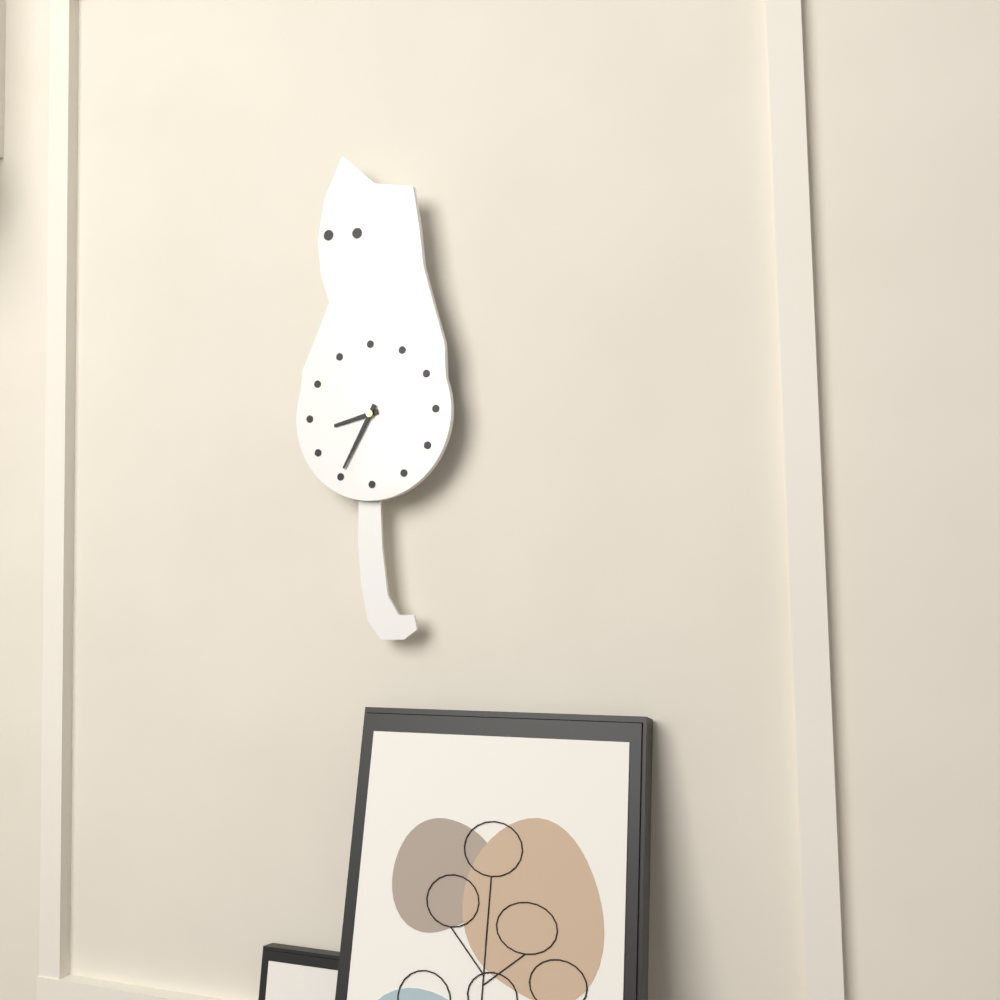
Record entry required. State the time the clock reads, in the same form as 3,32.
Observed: 8,35
